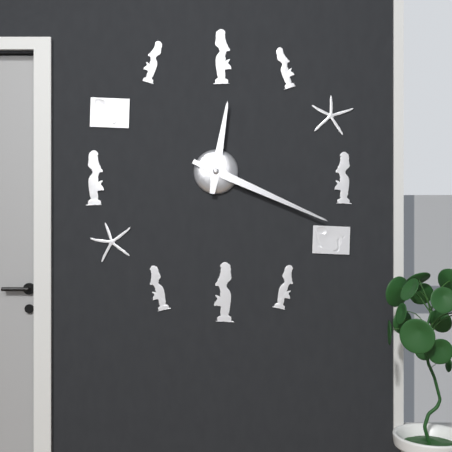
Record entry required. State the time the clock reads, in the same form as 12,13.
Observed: 12,19
